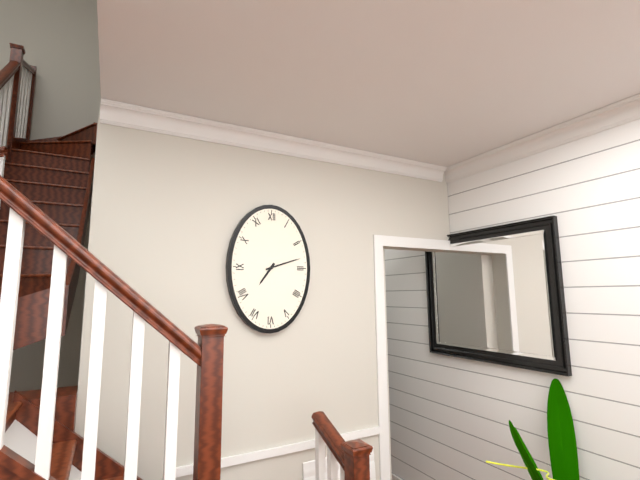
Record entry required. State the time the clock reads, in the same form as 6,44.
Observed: 7,12
